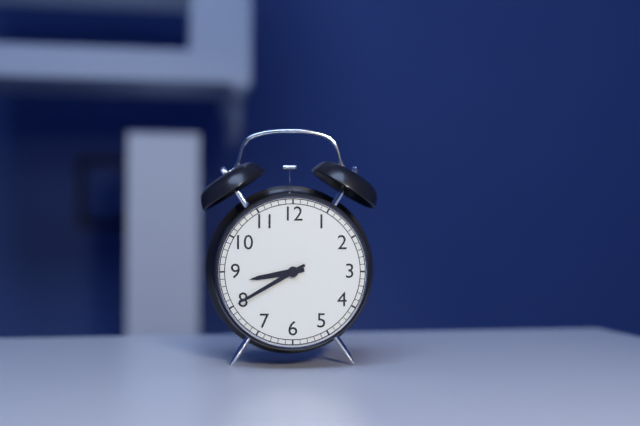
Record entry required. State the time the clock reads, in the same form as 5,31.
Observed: 8,40
